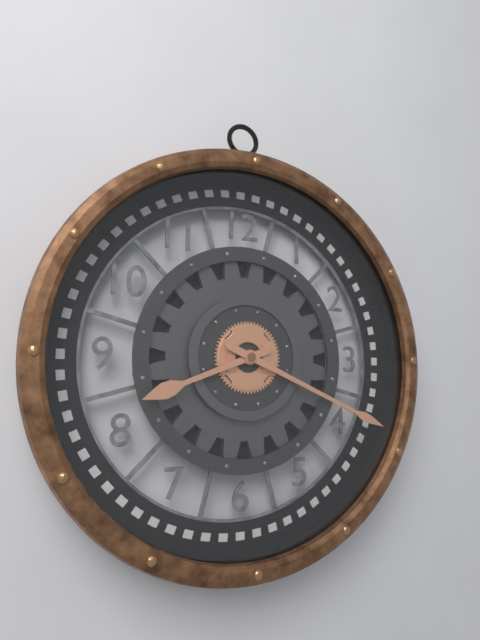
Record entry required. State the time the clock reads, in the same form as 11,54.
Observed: 8,19
